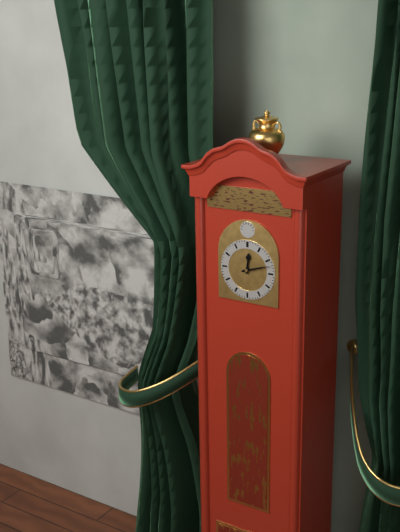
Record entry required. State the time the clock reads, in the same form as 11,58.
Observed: 12,12
